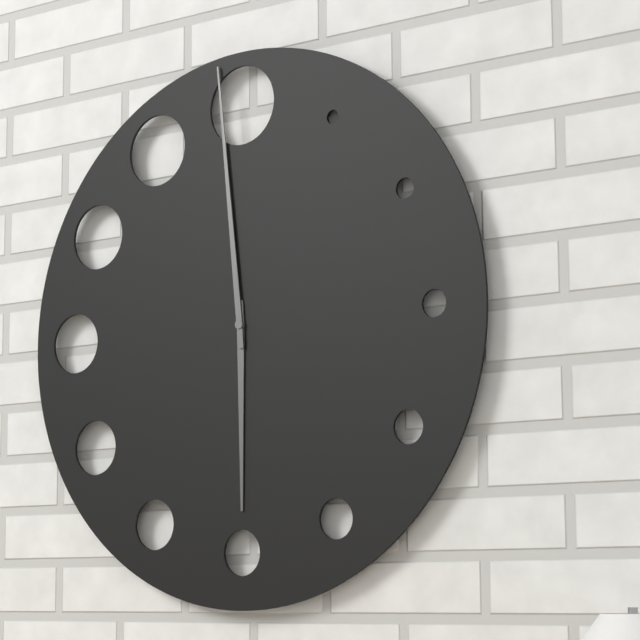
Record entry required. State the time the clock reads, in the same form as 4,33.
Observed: 5,59
